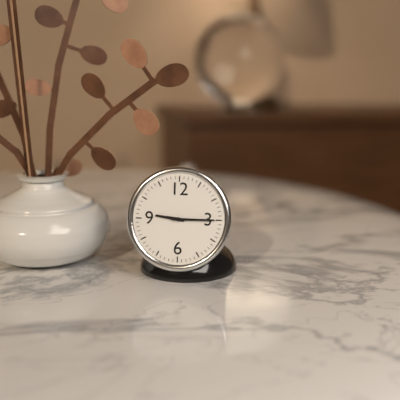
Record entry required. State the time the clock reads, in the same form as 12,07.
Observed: 9,15
